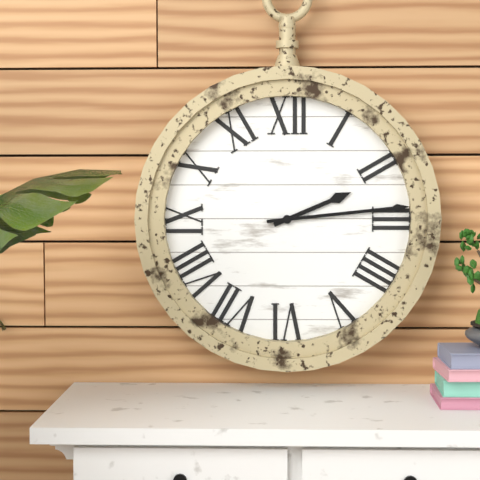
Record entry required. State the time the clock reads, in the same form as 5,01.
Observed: 2,14
